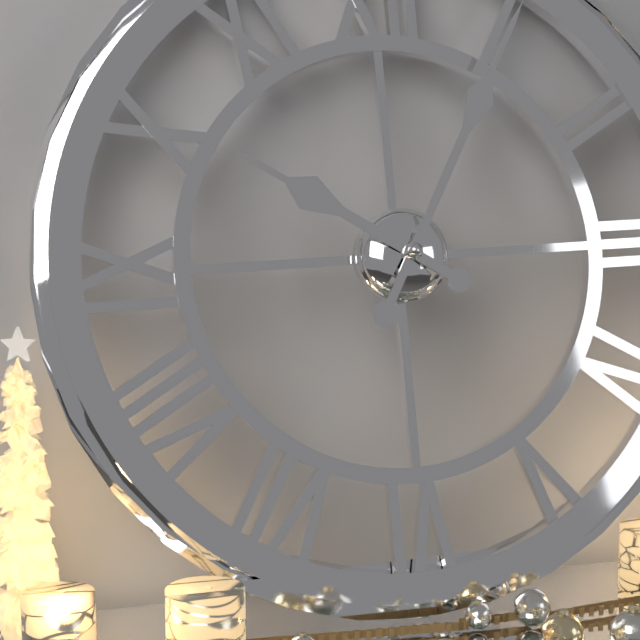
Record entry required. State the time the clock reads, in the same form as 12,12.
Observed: 10,05
